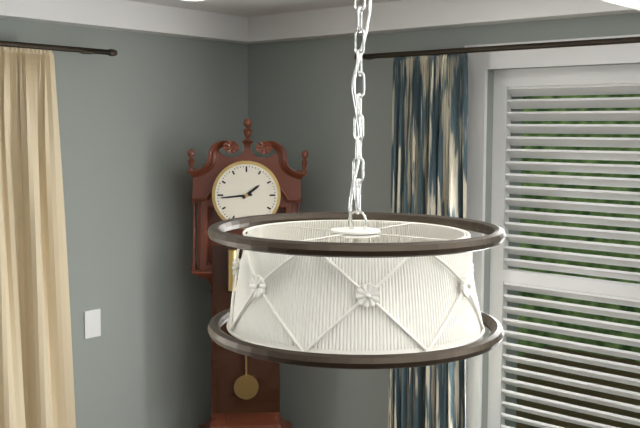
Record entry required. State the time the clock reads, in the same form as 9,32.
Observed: 1,44
